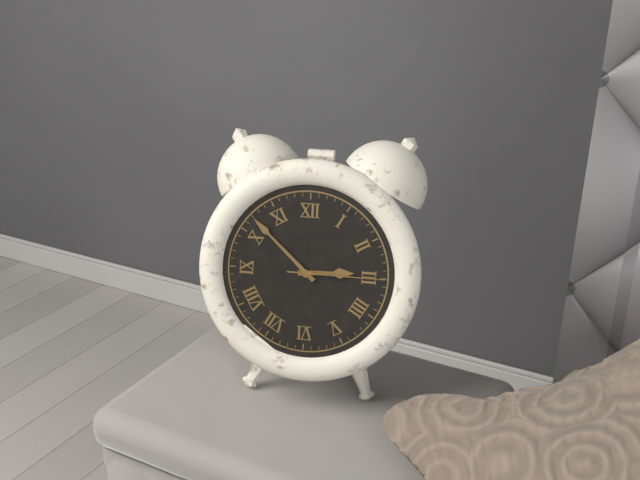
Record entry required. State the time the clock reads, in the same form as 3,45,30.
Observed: 2,52,15
